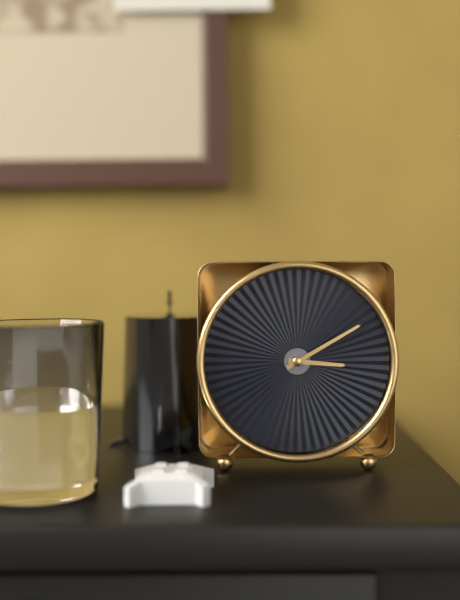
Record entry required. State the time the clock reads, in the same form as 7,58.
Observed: 3,10
